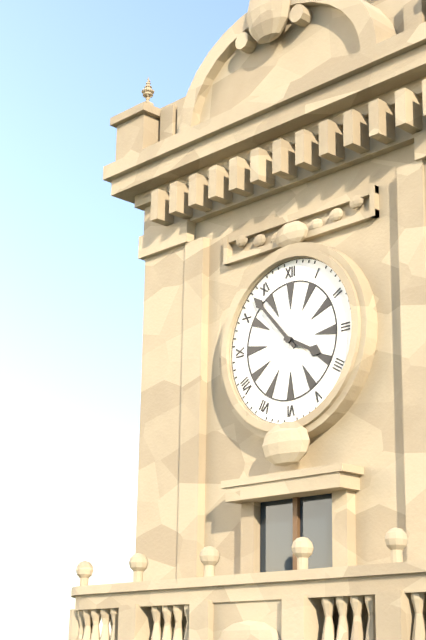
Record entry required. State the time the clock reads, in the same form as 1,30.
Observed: 3,53
